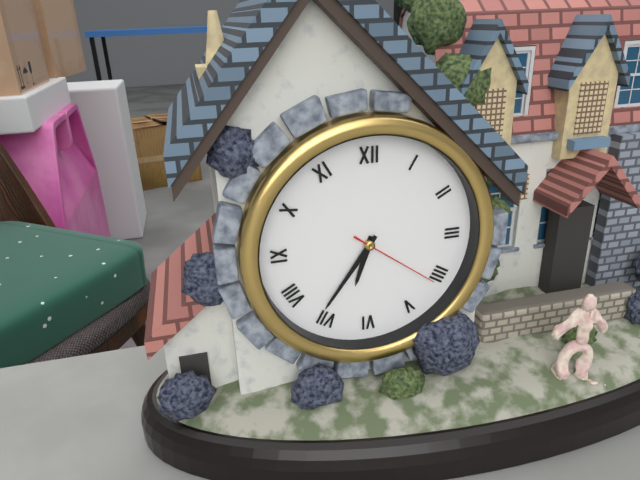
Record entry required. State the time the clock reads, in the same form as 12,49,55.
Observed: 6,36,21
